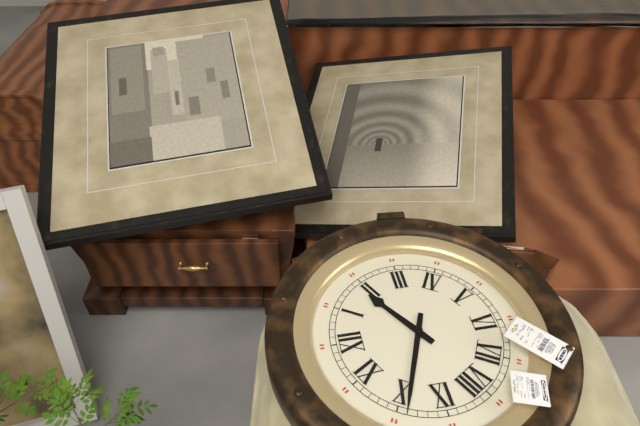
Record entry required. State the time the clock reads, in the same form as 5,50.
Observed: 1,49
